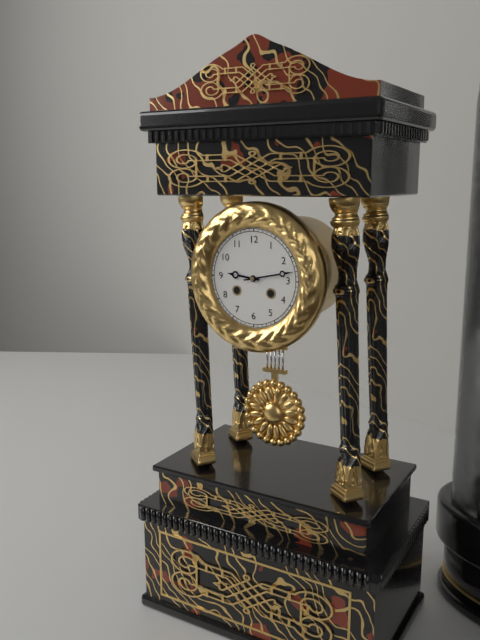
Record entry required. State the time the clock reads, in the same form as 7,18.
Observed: 9,13
